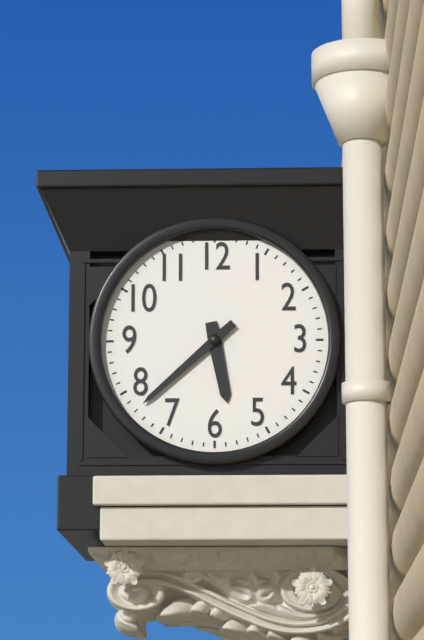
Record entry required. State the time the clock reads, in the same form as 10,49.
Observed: 5,38
